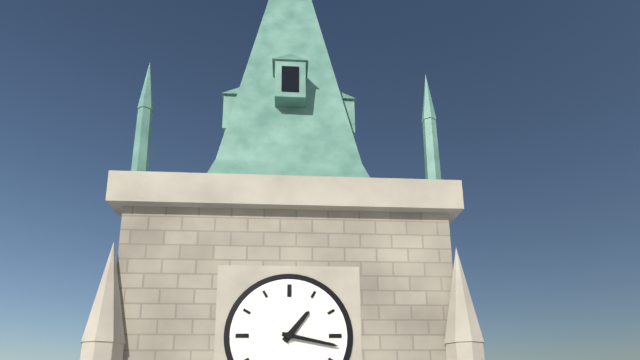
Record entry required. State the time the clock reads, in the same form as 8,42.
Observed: 1,17
